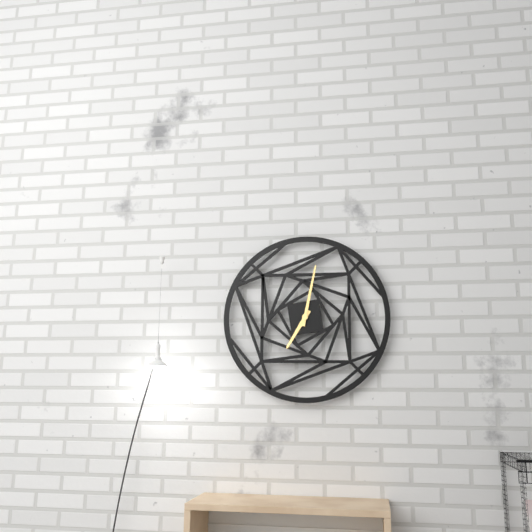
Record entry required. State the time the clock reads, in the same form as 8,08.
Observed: 7,02
